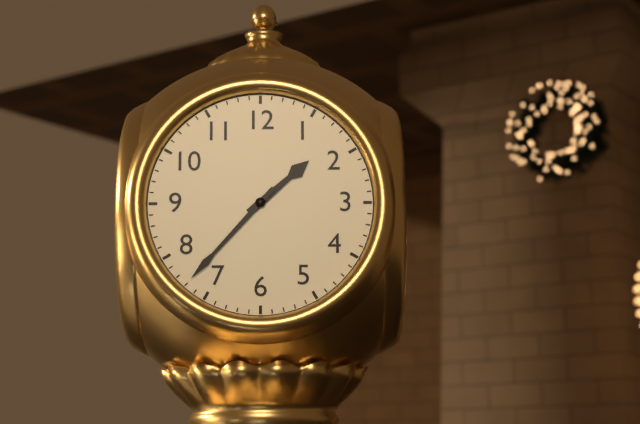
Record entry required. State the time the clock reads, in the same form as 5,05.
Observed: 1,37
